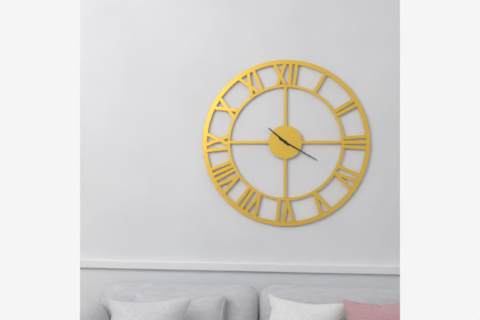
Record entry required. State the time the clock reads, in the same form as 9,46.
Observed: 10,20
